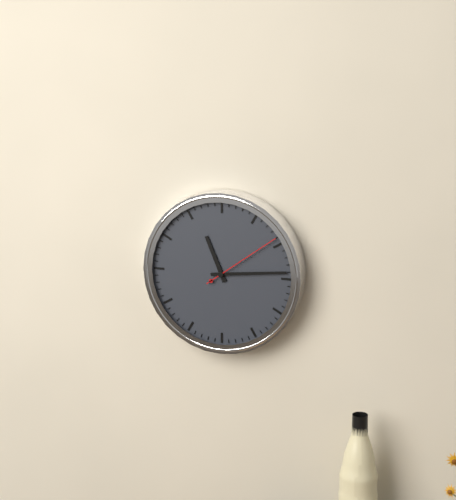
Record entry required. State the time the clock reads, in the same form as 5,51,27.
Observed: 11,14,09
